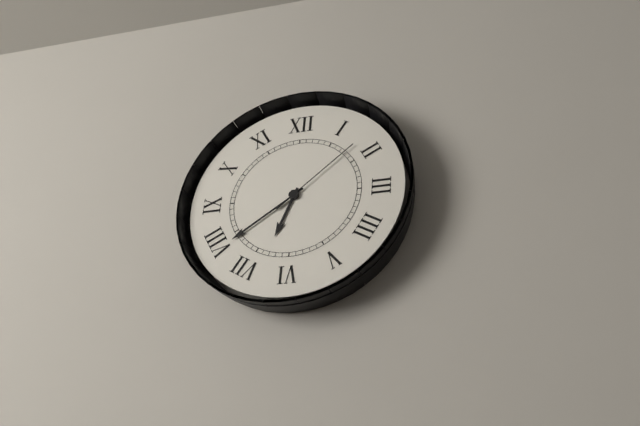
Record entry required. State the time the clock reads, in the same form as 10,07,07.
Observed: 6,39,08
